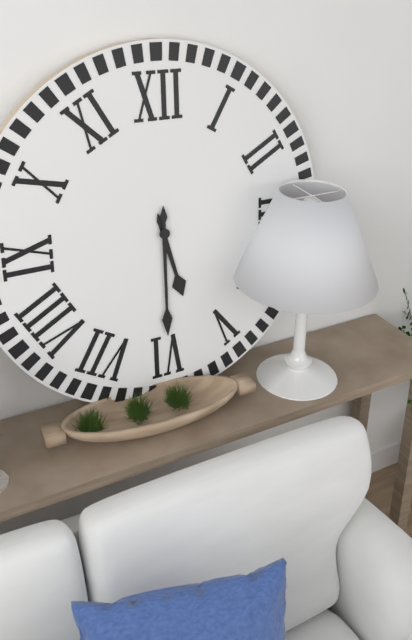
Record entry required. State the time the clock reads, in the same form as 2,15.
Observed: 5,30
